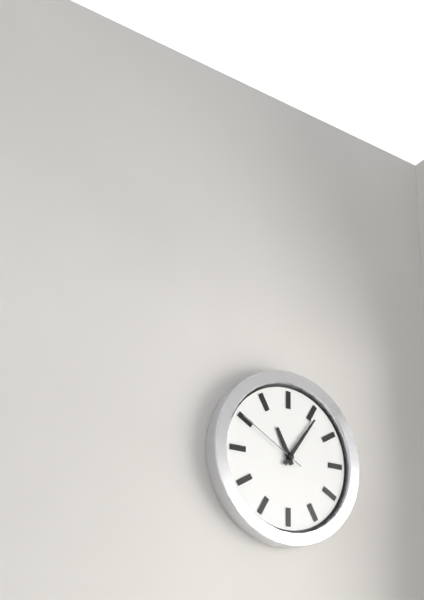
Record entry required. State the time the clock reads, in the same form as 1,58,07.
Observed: 11,06,50
